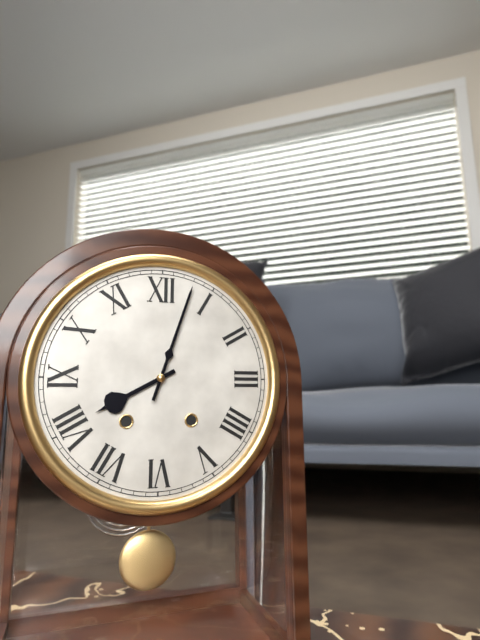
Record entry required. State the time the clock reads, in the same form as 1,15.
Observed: 8,03
